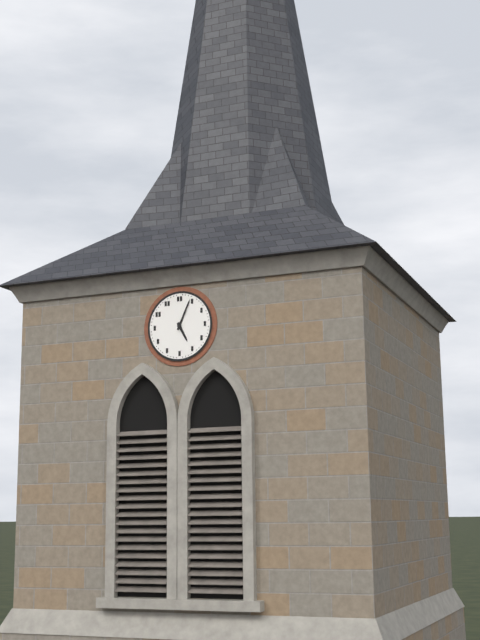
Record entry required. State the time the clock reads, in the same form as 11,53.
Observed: 5,04
